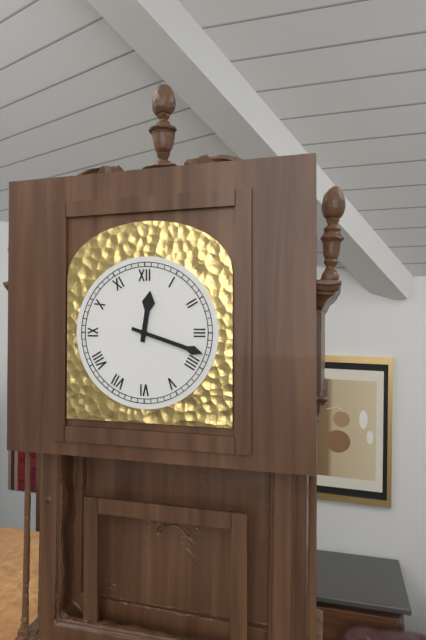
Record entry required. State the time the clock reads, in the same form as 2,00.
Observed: 12,18
